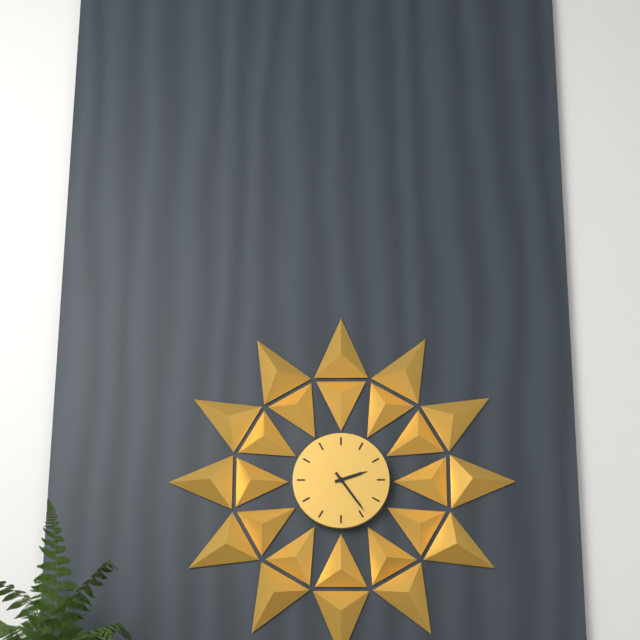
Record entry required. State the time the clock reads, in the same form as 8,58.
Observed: 2,24
